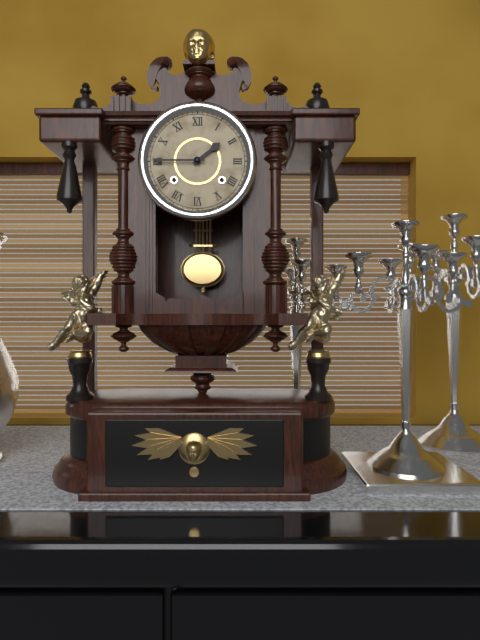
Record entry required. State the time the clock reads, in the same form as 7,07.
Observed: 1,45
